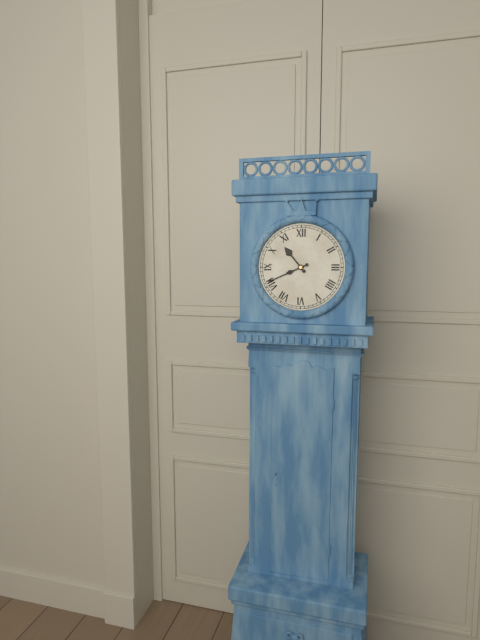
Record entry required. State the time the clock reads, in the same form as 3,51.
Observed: 10,41
